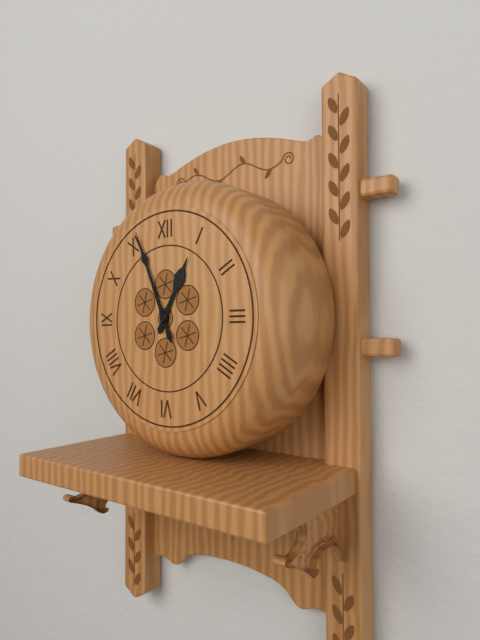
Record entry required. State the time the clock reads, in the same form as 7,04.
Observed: 12,56
